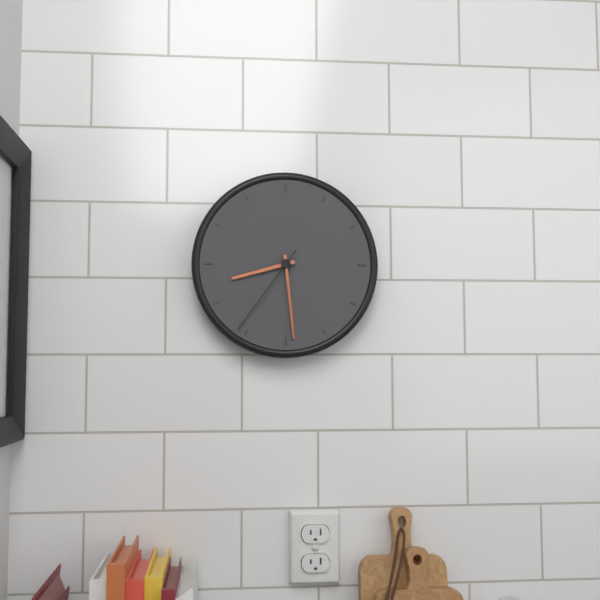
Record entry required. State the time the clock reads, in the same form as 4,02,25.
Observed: 8,29,36
